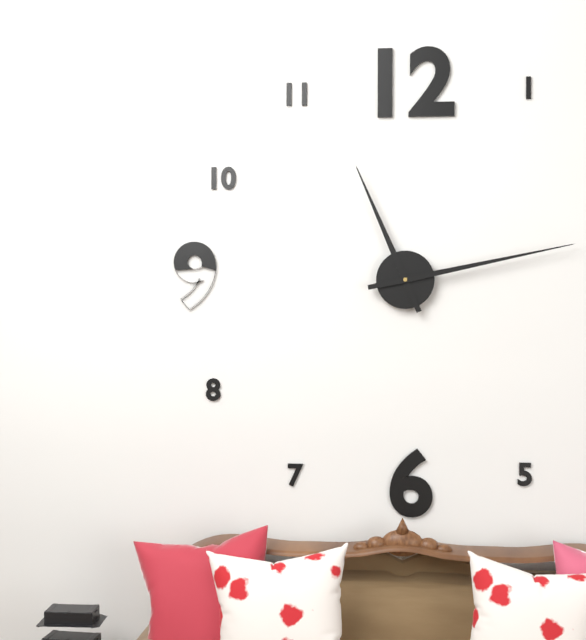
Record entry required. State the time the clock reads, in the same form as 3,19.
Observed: 11,13
